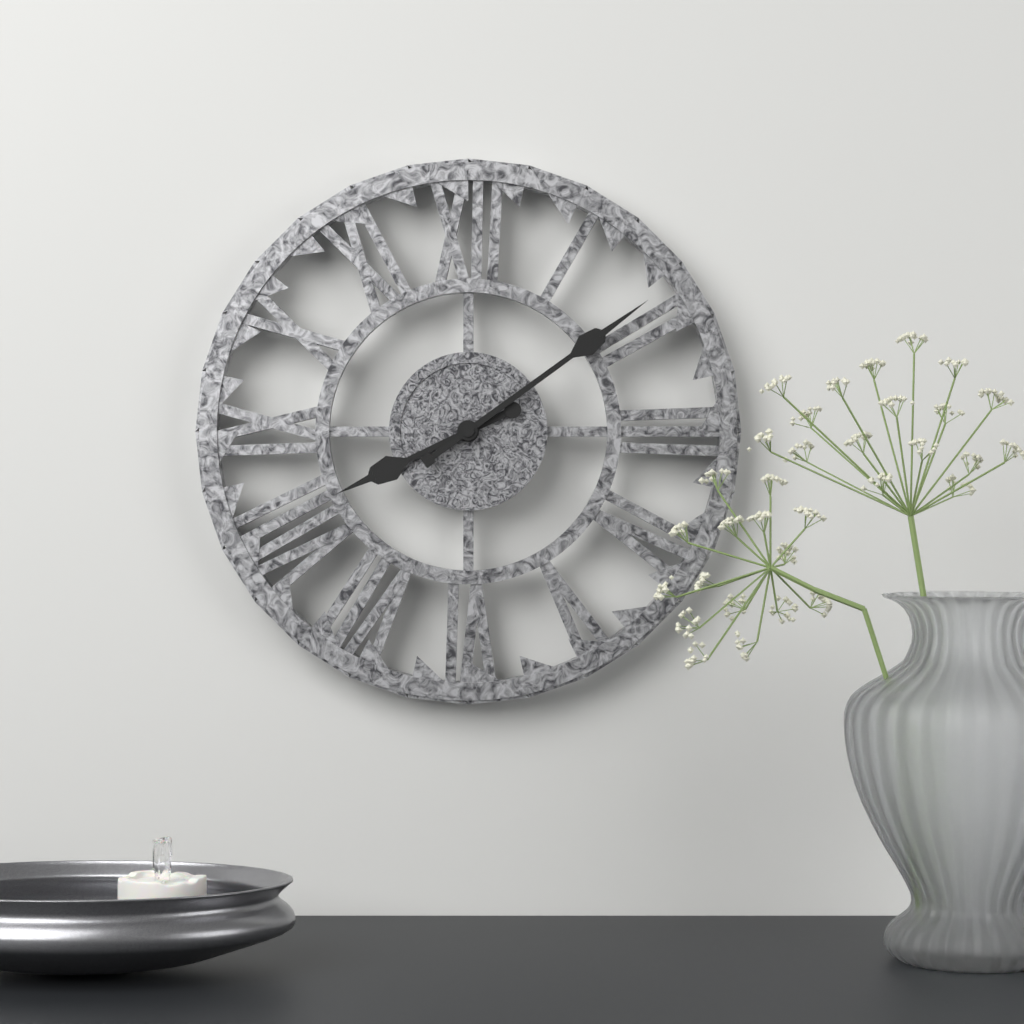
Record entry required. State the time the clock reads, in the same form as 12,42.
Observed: 8,09
